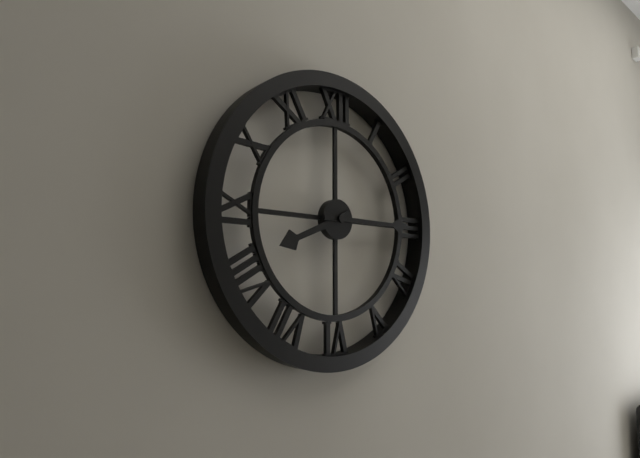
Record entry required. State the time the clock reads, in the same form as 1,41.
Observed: 8,15
